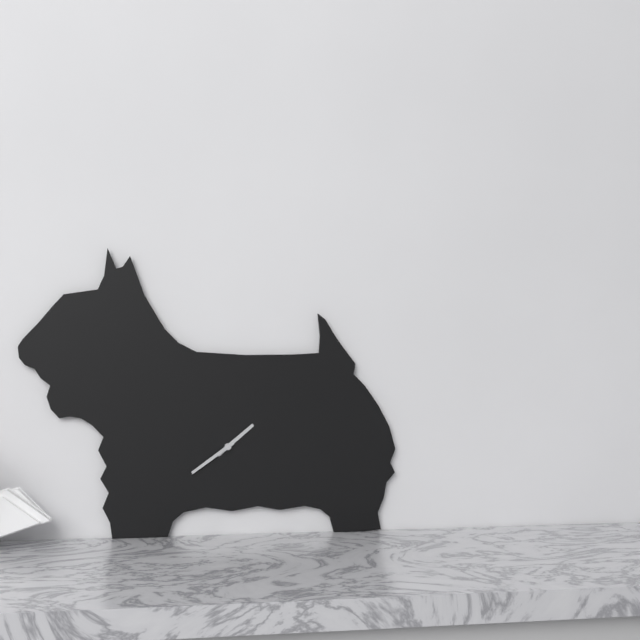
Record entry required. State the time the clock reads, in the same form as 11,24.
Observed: 1,39
